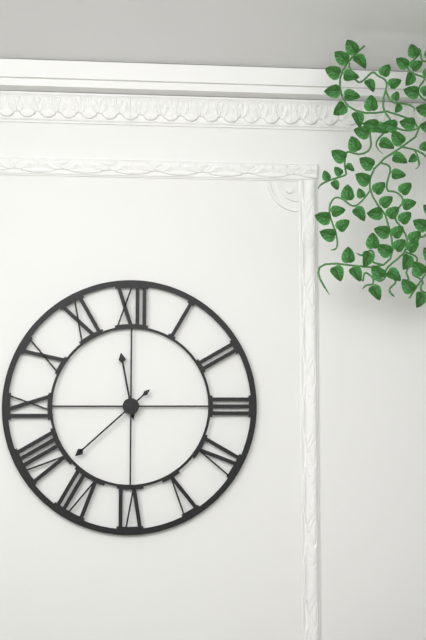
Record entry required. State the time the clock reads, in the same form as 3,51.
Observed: 11,38
